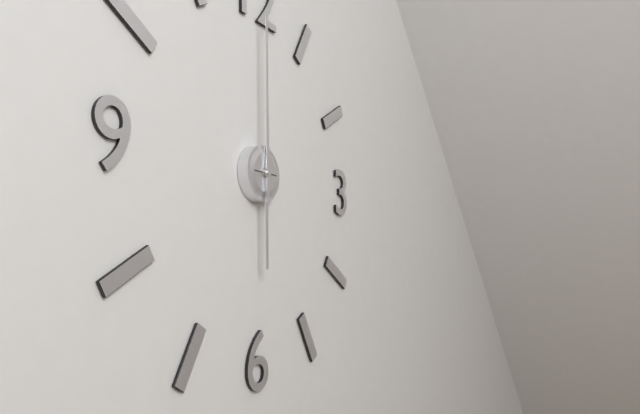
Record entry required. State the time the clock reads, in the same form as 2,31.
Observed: 6,00
